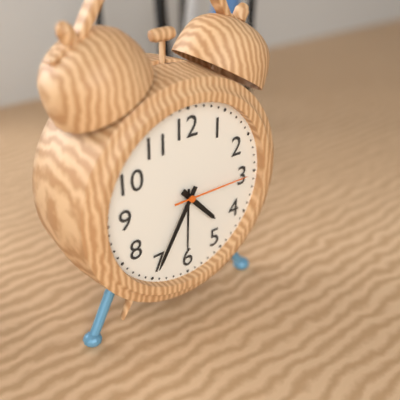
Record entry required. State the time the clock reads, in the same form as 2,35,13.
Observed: 4,35,15
